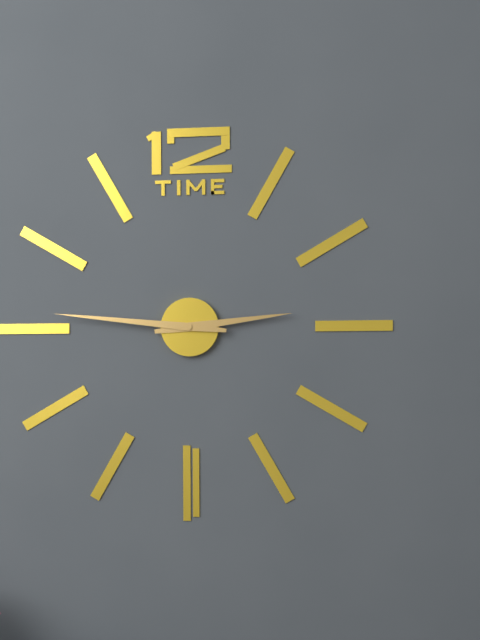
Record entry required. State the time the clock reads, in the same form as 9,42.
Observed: 2,46
